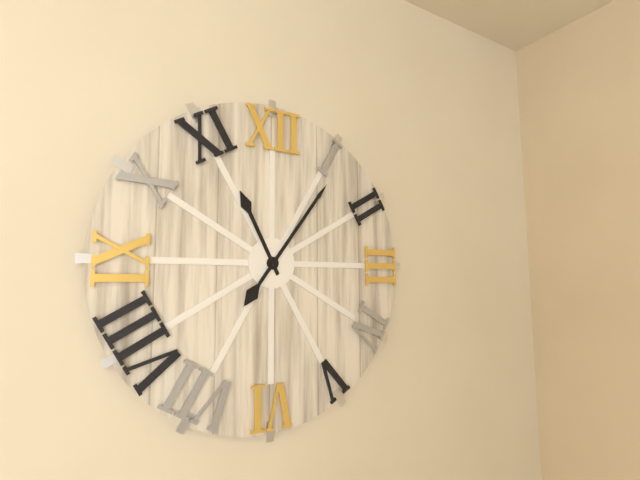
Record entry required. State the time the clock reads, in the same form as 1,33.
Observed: 11,06
